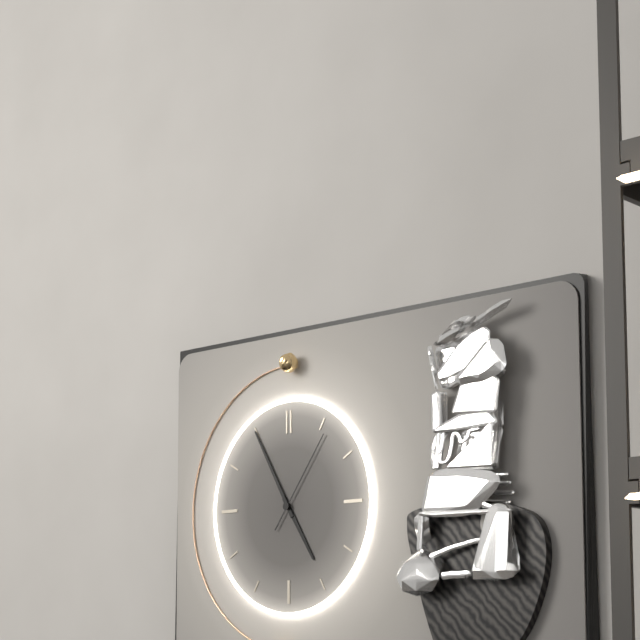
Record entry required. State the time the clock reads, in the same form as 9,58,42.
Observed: 4,55,06
